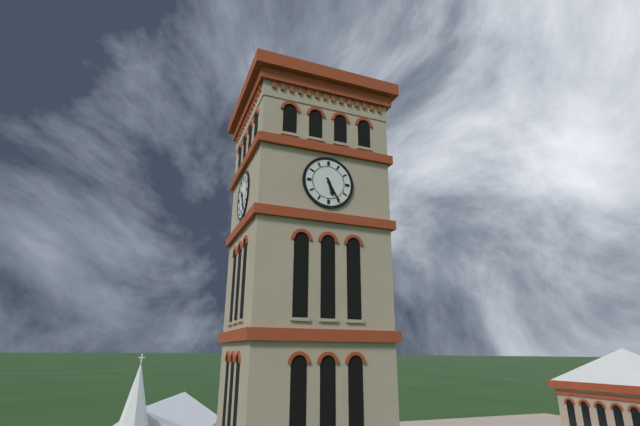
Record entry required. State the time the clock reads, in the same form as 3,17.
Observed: 5,25
